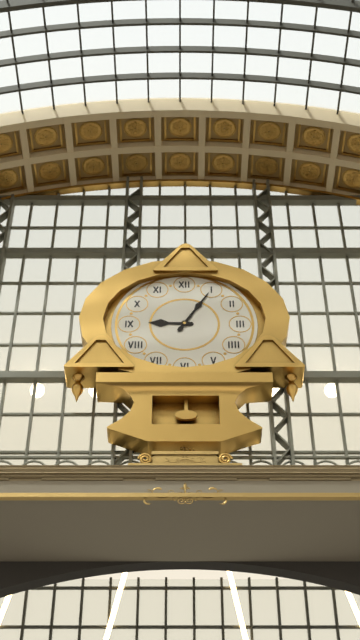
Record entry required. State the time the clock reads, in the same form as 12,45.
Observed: 9,05
